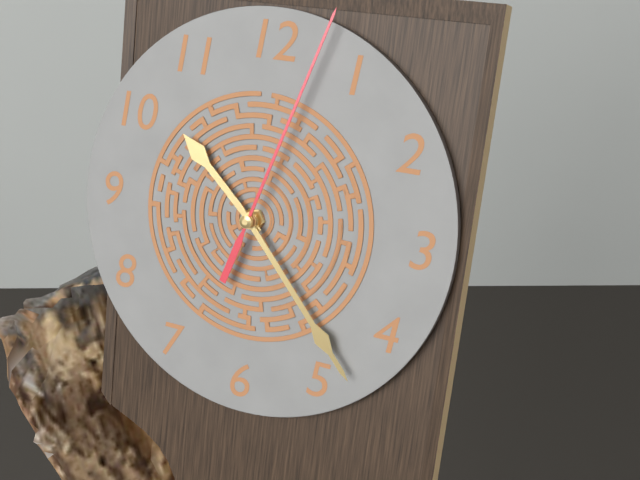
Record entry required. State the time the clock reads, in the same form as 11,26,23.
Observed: 10,23,03
